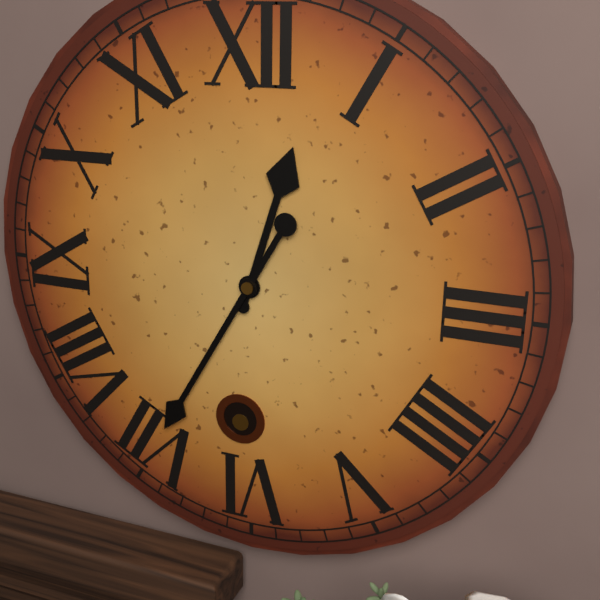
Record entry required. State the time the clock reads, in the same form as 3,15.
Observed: 12,35
